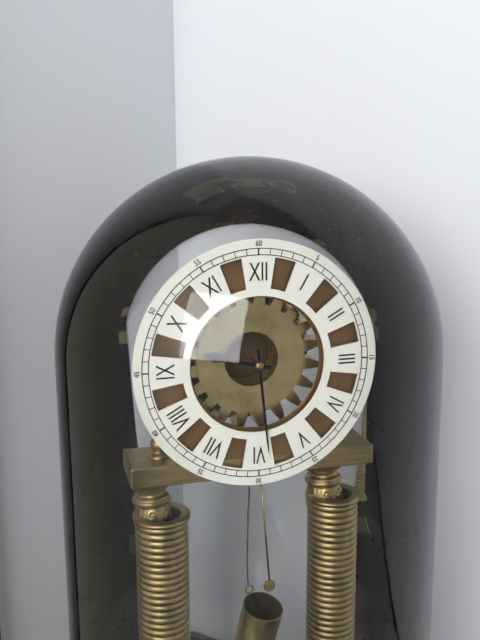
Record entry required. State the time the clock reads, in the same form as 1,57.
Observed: 9,29
